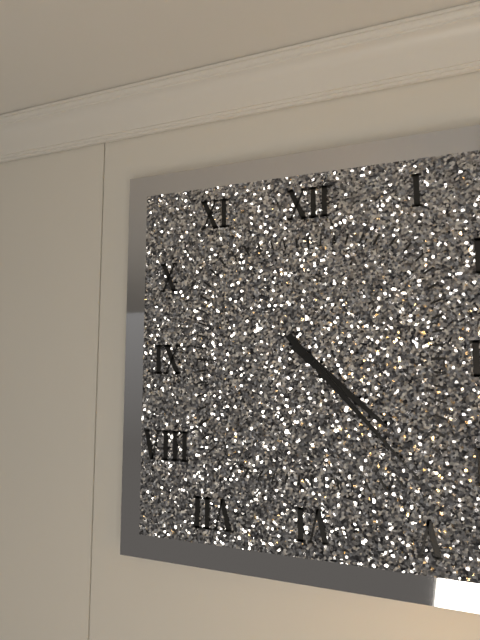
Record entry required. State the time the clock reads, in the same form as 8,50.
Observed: 4,23
